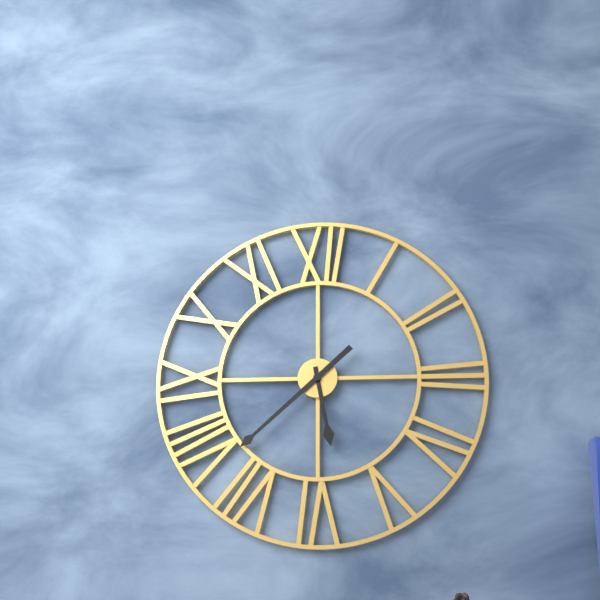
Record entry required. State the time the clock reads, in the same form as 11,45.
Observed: 5,38
